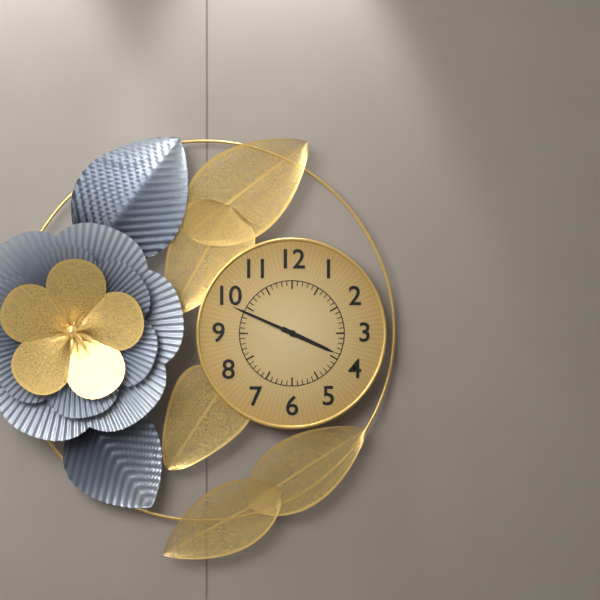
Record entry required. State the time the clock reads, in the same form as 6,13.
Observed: 3,49
